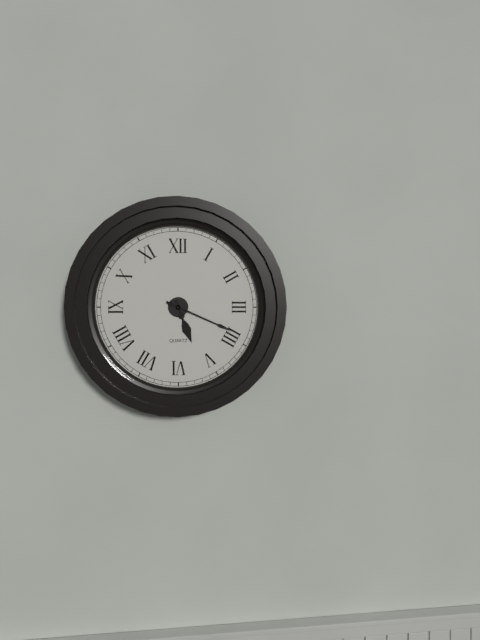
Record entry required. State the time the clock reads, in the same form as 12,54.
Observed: 5,19
